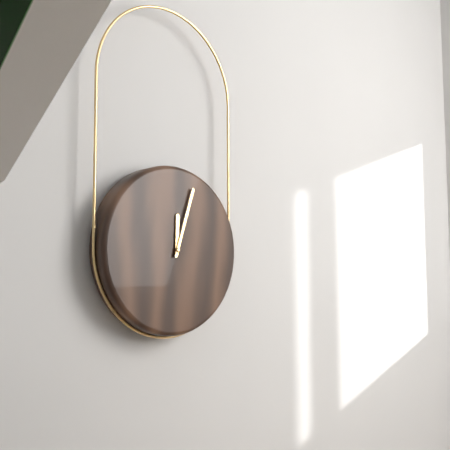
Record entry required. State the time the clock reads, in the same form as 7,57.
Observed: 12,03
